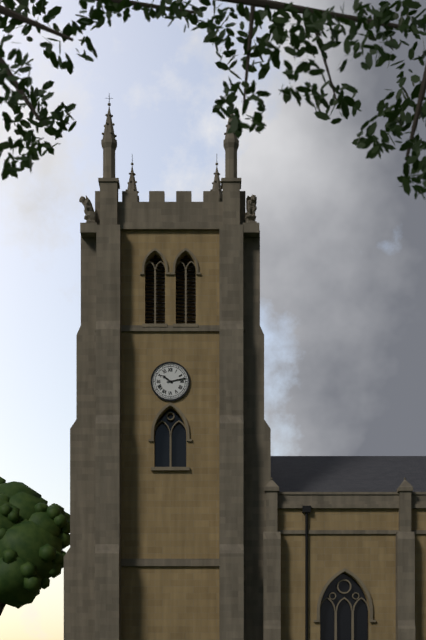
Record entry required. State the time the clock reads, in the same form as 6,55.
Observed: 10,13
